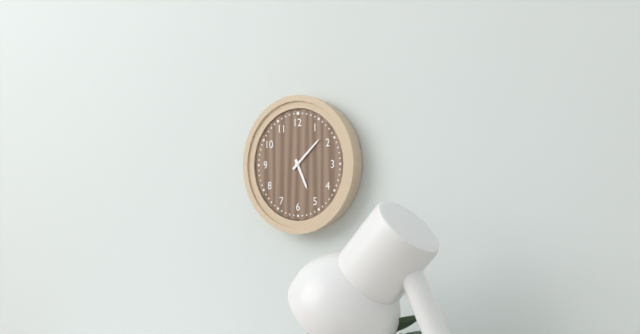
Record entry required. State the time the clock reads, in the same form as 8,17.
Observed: 5,08
